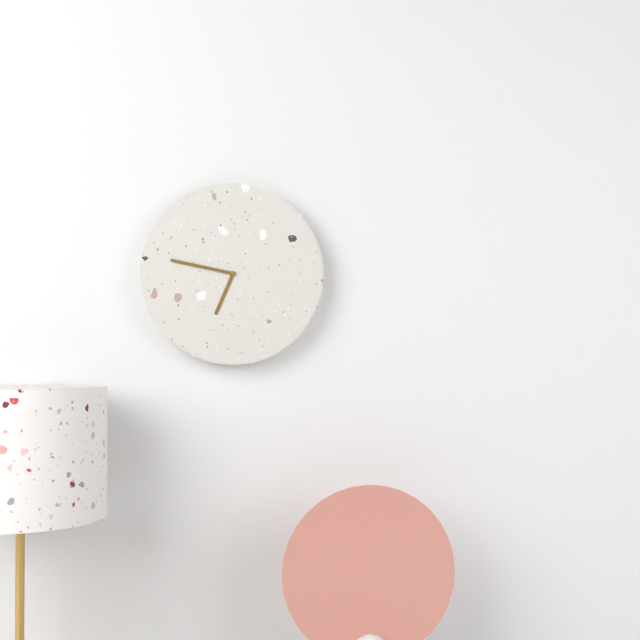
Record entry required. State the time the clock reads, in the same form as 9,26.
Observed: 6,47
